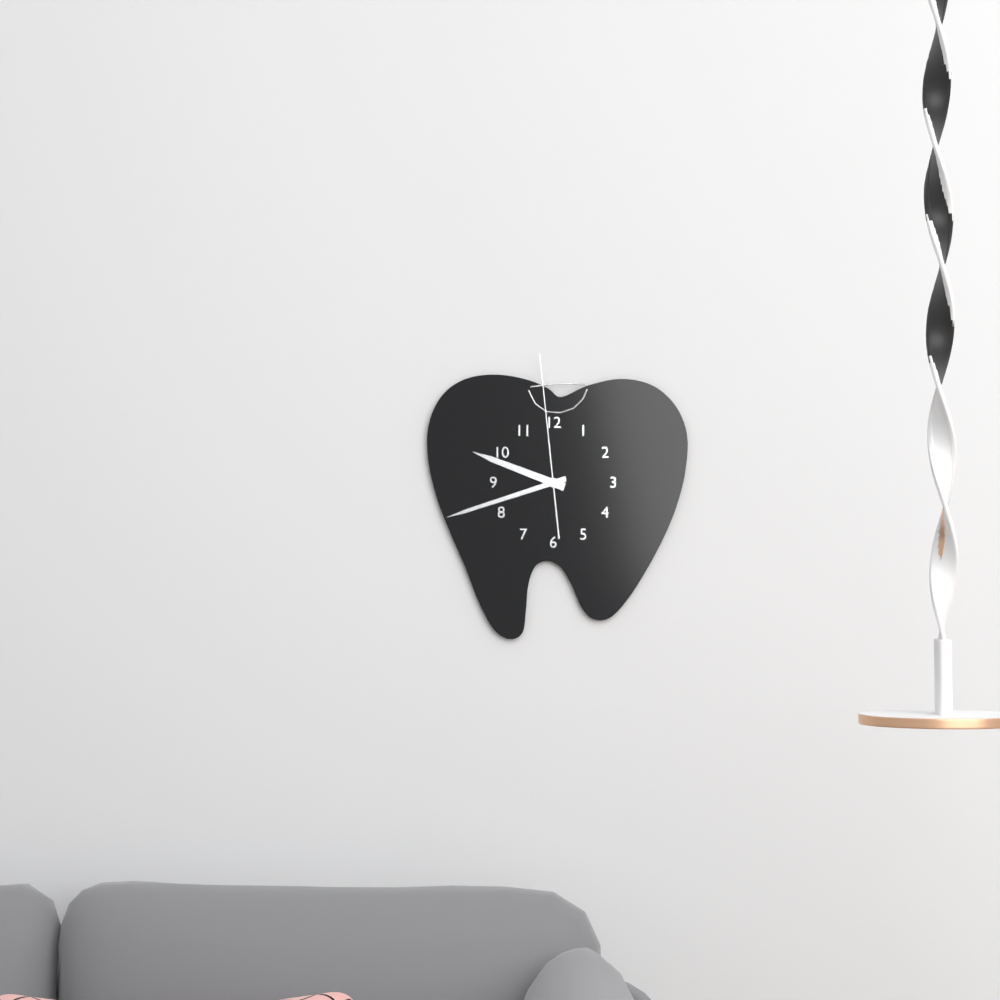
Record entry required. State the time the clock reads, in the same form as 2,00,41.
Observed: 9,42,59
